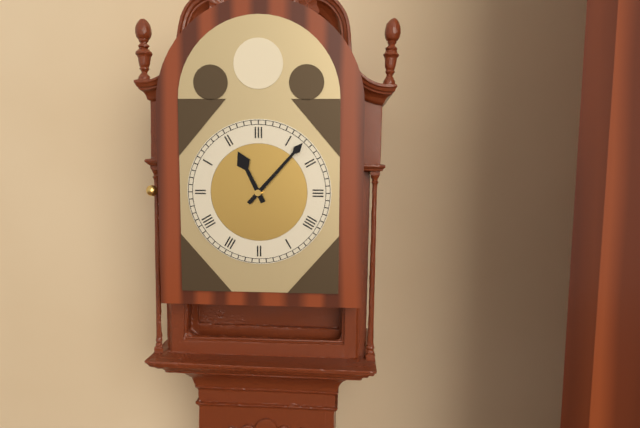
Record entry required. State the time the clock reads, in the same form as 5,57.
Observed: 11,07
